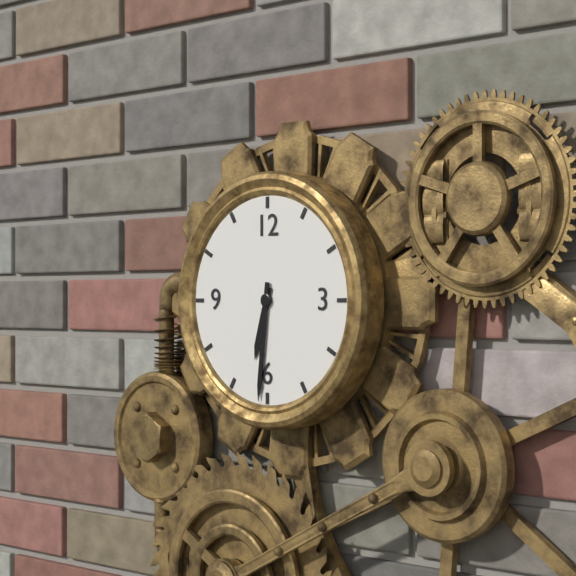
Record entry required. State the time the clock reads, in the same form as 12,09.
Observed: 6,31
